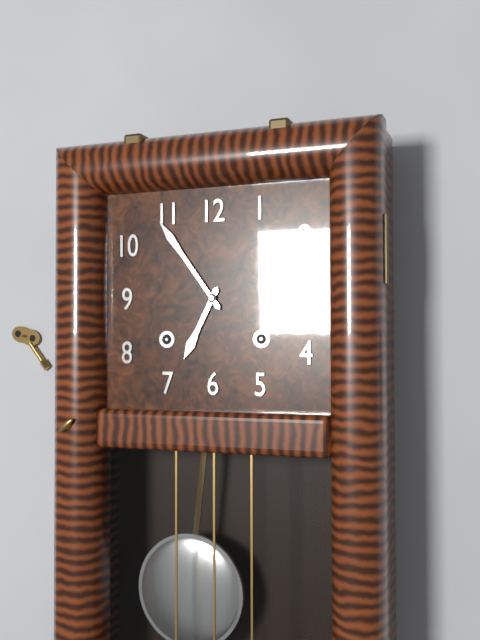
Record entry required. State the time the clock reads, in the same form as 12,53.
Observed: 6,54
